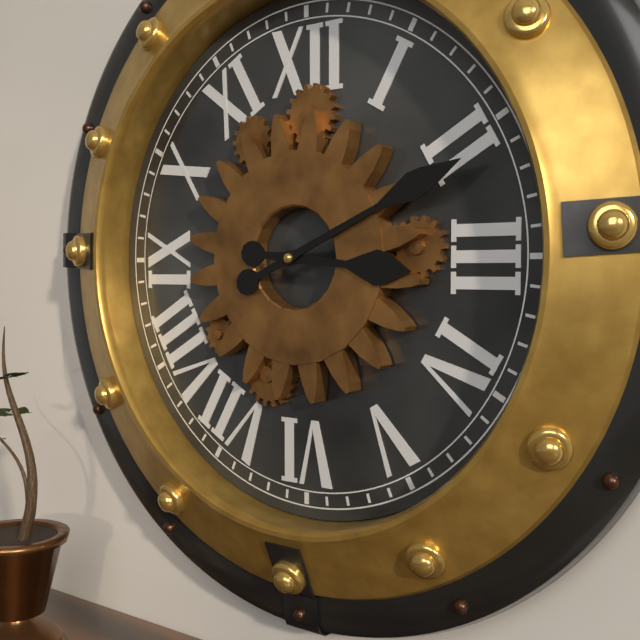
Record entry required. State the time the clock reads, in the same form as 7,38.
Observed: 3,11
